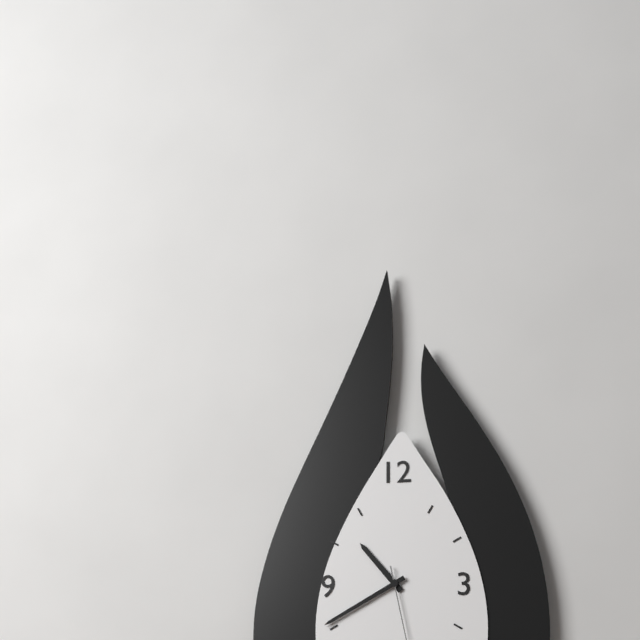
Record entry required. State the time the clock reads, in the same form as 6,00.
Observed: 10,40
